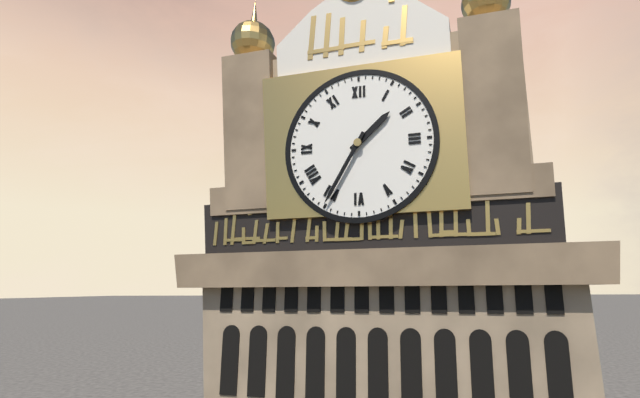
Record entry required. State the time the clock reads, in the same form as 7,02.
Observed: 1,35
